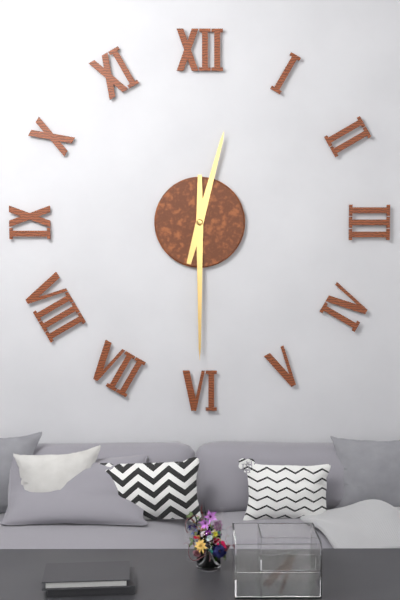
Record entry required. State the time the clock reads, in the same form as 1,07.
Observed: 12,30
